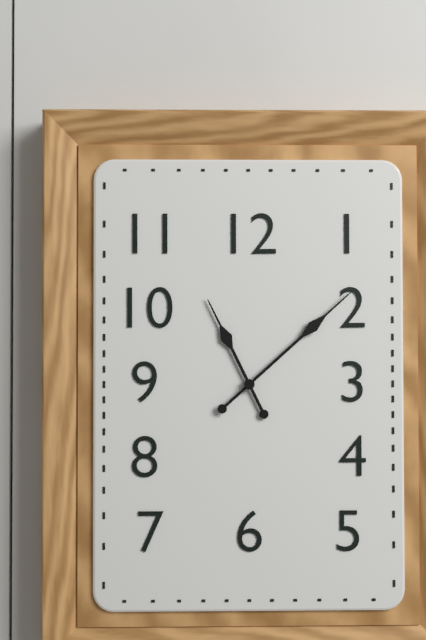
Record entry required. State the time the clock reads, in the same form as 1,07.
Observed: 11,08
